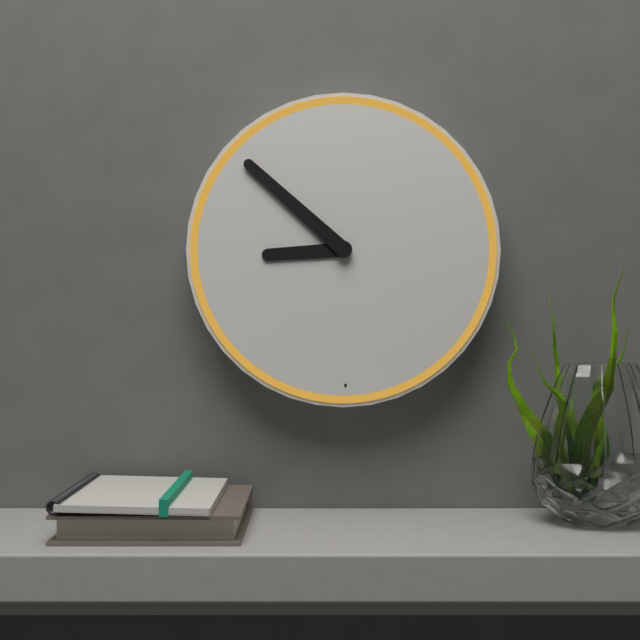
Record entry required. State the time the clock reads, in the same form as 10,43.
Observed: 8,52
